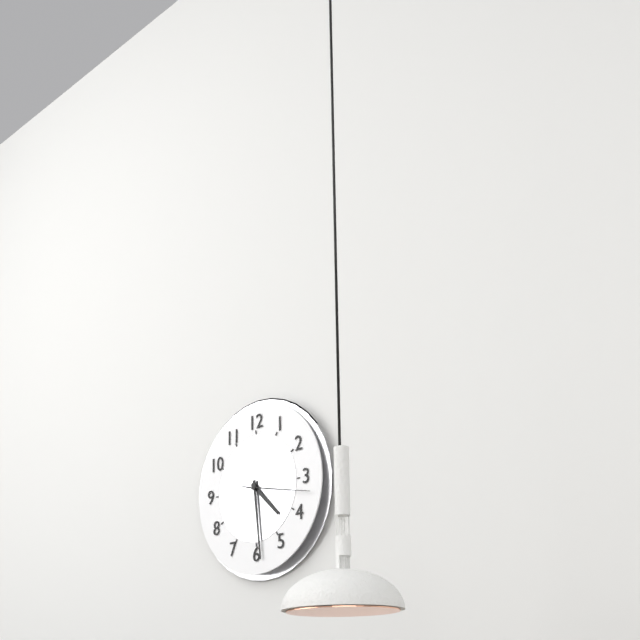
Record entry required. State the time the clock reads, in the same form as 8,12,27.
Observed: 4,29,17
